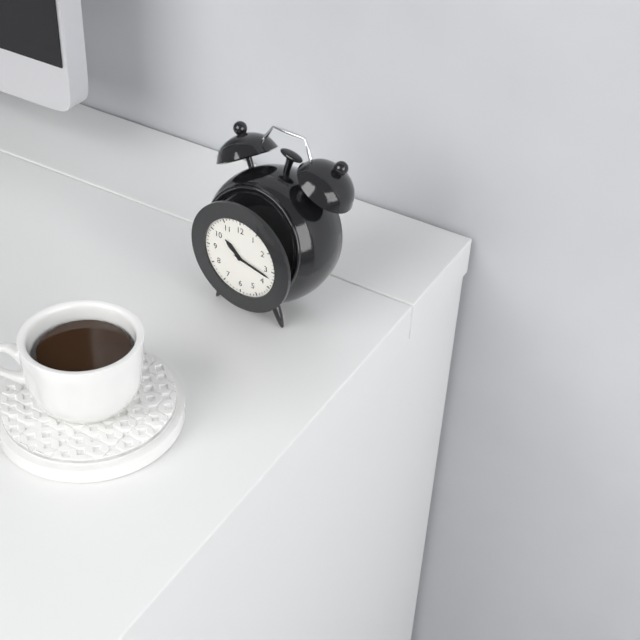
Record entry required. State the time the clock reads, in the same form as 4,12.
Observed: 10,17
